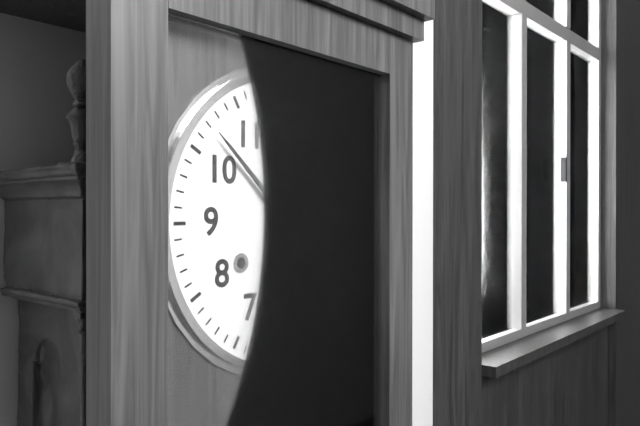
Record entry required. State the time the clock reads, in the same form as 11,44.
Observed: 11,52
